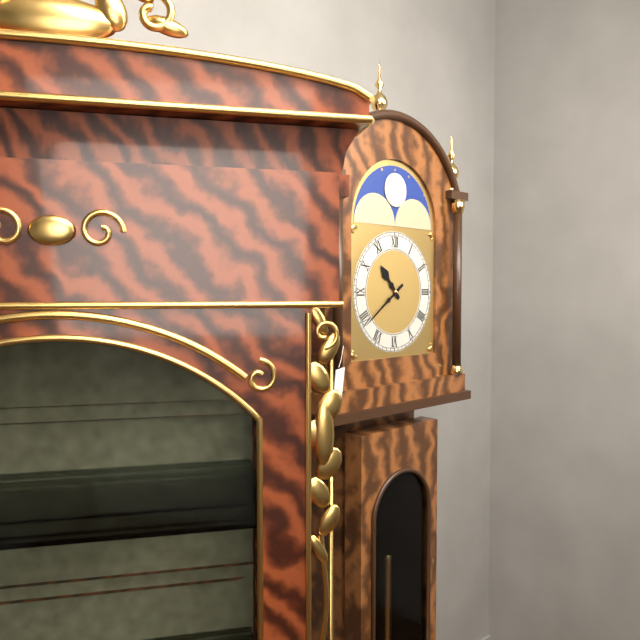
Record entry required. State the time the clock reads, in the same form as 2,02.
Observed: 10,39
